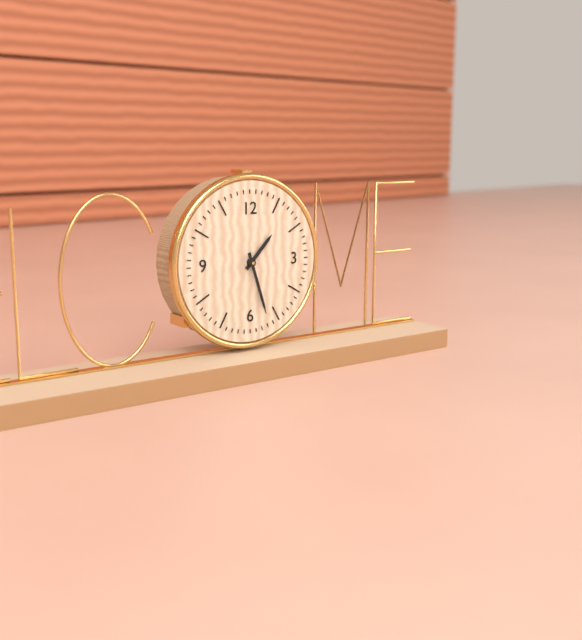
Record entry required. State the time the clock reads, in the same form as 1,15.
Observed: 1,27
